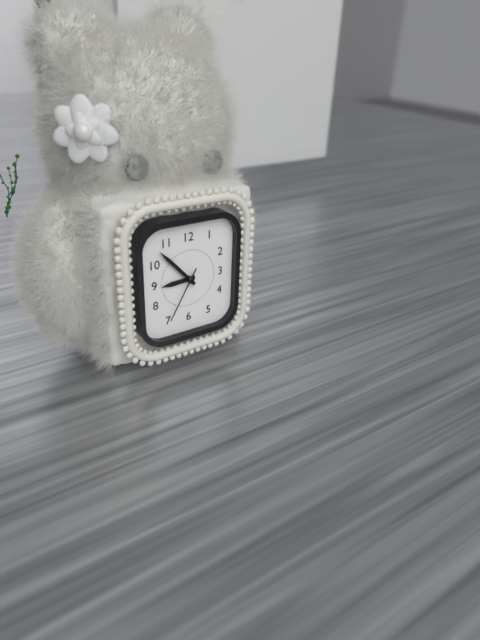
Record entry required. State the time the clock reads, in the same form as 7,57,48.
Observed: 8,53,35
